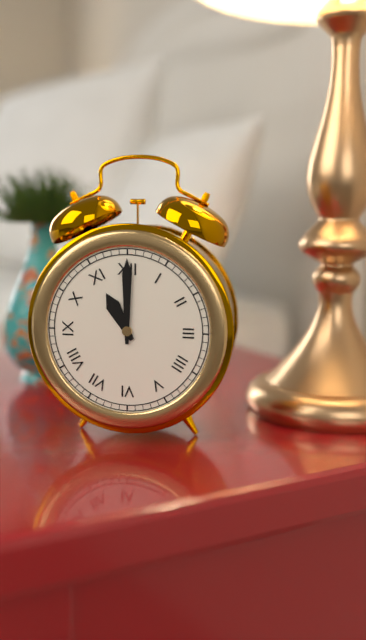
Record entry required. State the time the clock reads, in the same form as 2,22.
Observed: 11,00
